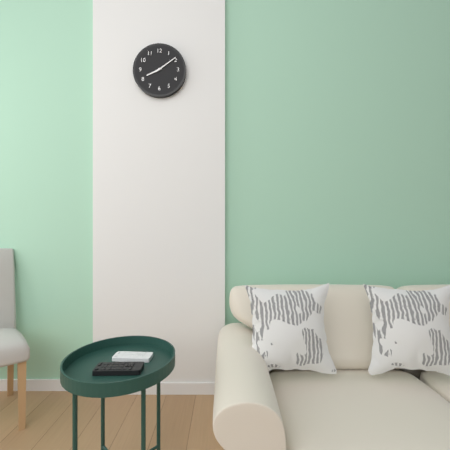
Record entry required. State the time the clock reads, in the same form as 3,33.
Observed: 8,09
